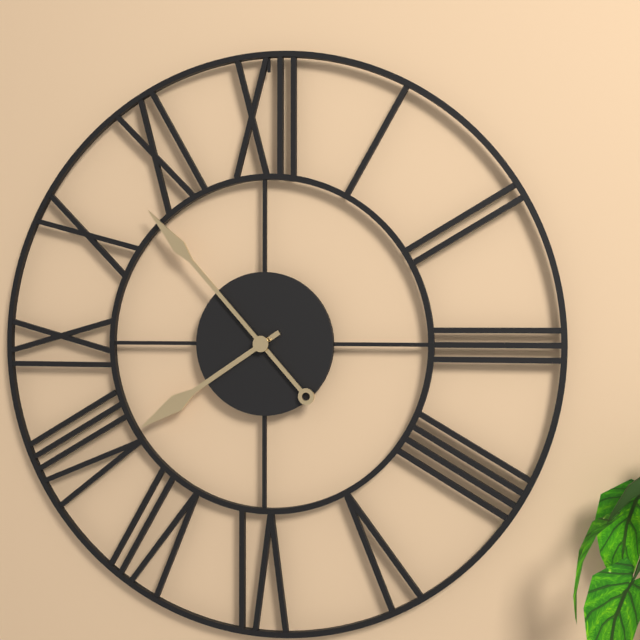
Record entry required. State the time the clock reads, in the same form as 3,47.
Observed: 7,53
